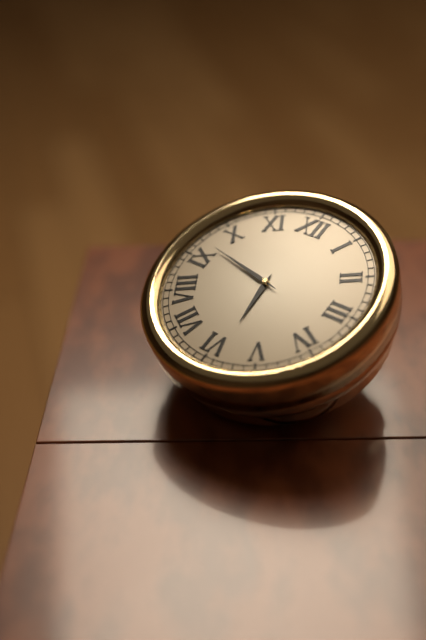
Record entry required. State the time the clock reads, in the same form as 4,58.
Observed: 5,47
